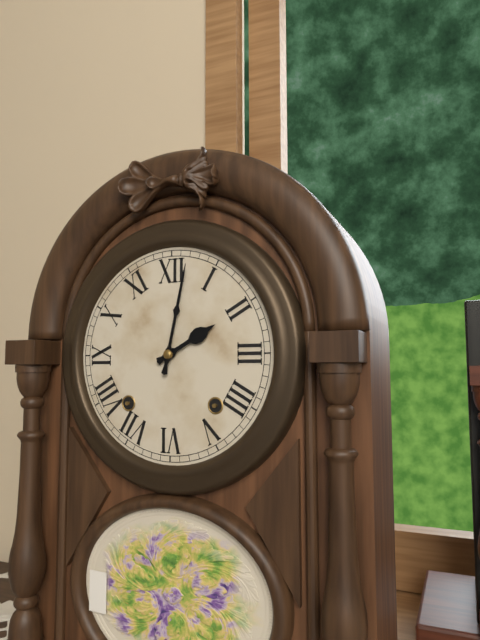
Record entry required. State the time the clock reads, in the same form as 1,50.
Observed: 2,02
